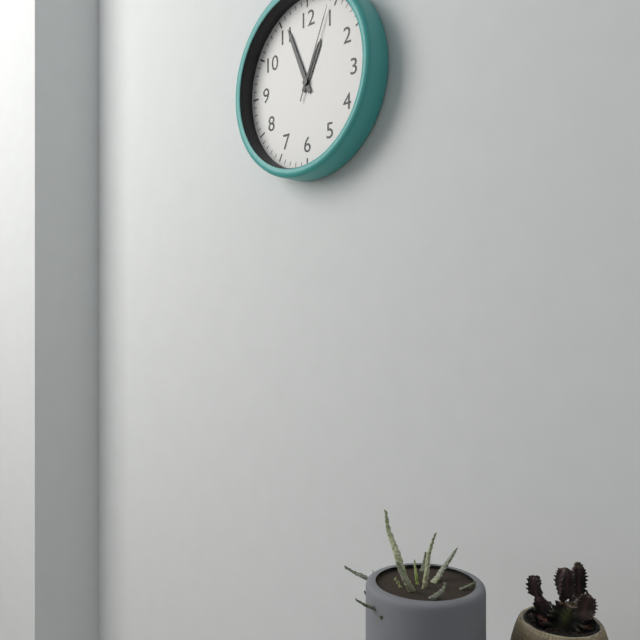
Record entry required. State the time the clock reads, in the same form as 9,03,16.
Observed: 12,56,04
